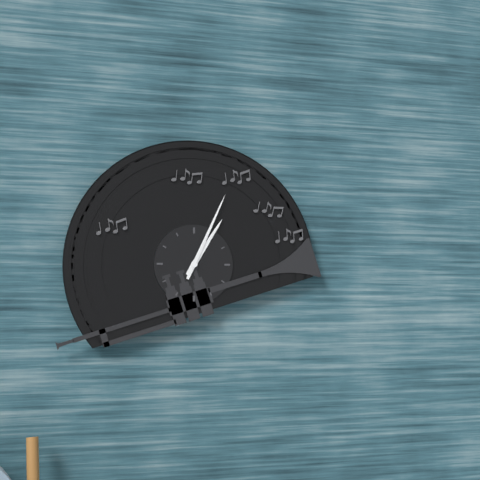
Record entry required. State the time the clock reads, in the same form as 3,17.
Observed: 1,04
